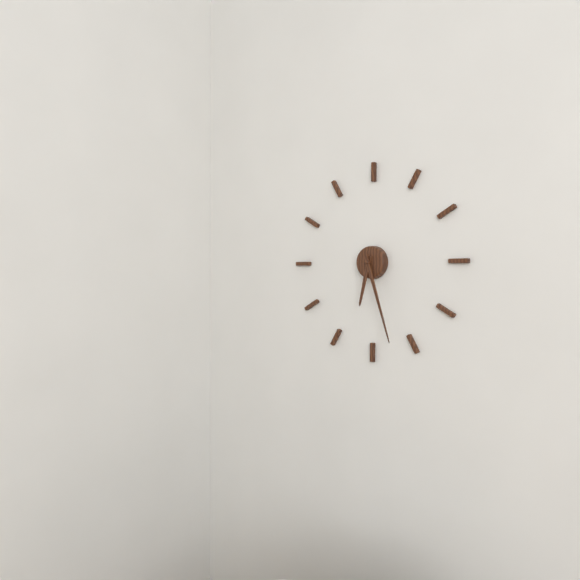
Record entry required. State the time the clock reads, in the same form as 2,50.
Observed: 6,27
